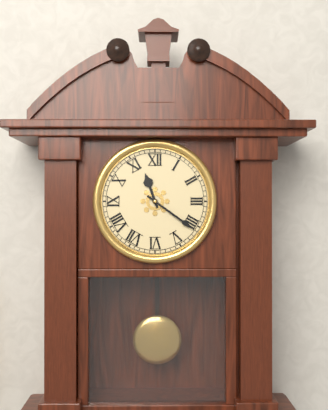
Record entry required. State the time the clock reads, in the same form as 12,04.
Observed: 11,21
